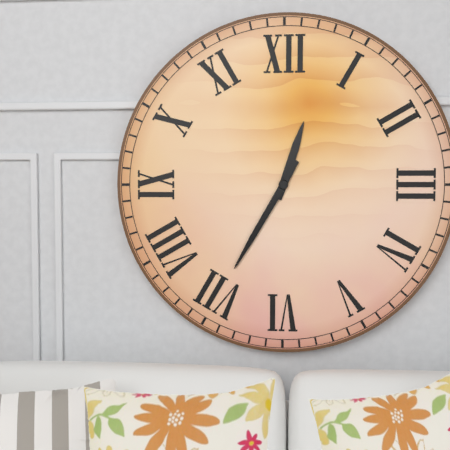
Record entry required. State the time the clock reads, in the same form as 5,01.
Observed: 12,35
